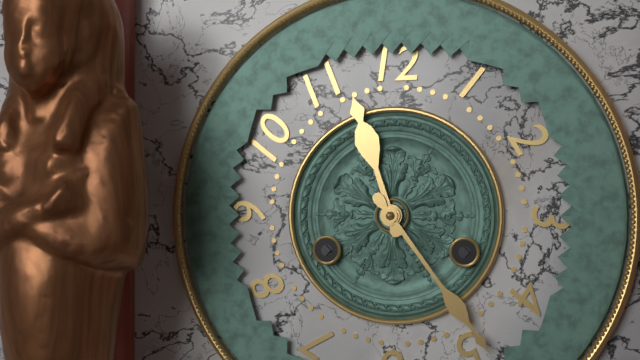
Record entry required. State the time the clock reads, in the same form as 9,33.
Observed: 11,24
